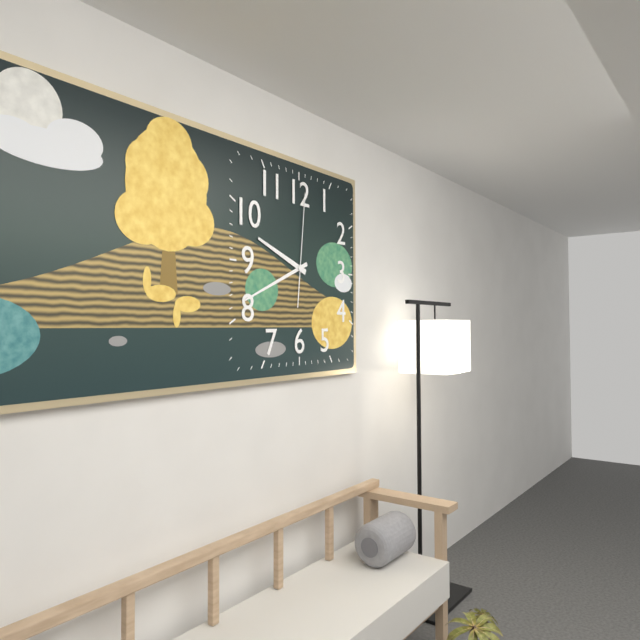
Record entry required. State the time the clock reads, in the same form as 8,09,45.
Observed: 9,41,01
